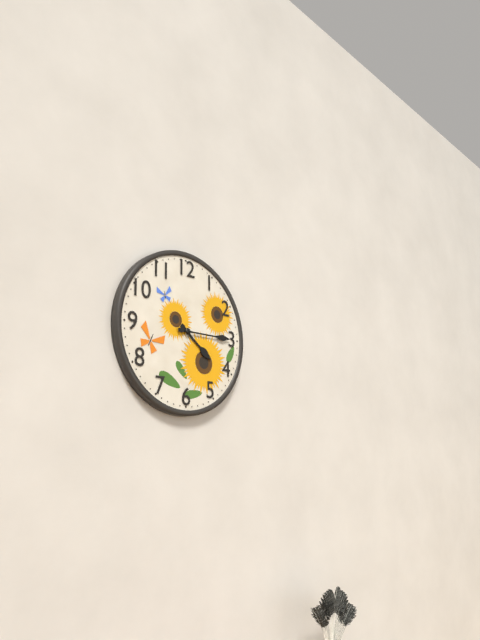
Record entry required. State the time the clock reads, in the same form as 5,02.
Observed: 4,15
